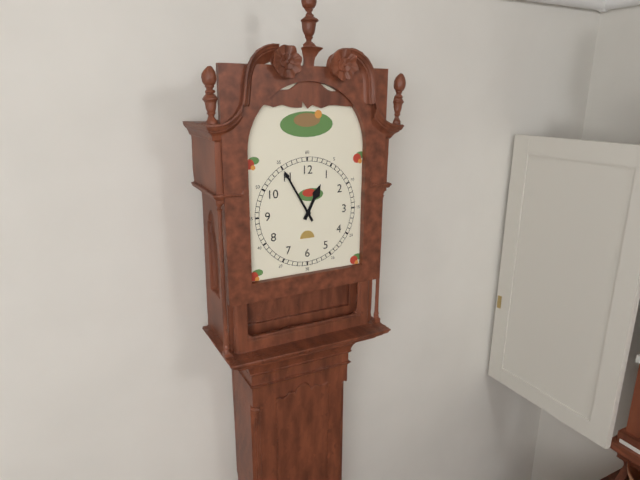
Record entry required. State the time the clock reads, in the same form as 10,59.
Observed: 12,55
